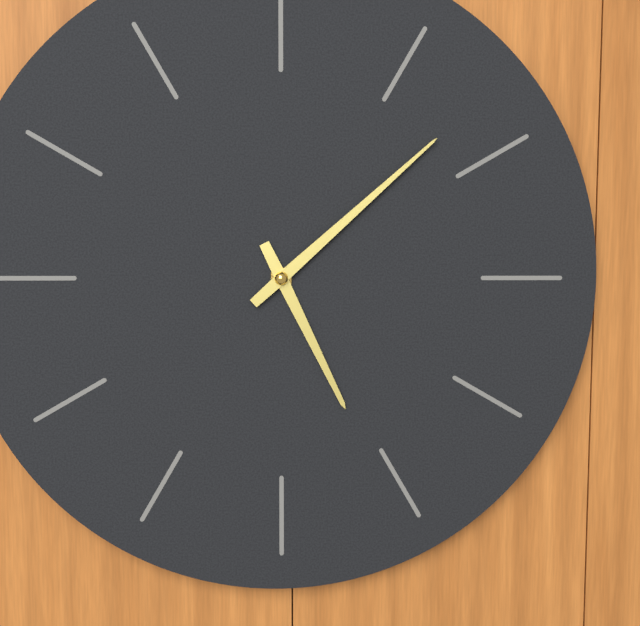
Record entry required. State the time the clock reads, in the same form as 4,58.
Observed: 5,08
